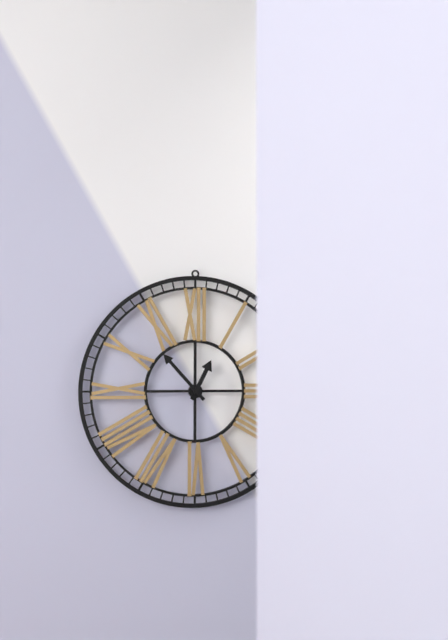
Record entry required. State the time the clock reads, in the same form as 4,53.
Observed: 12,53
